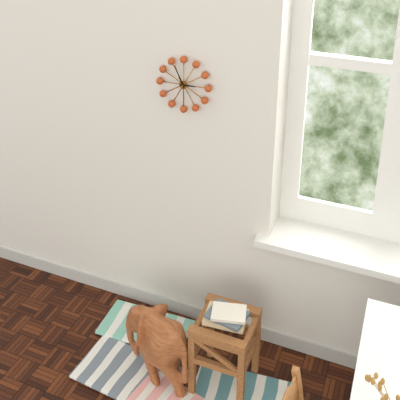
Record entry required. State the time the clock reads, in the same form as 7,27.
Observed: 2,56
